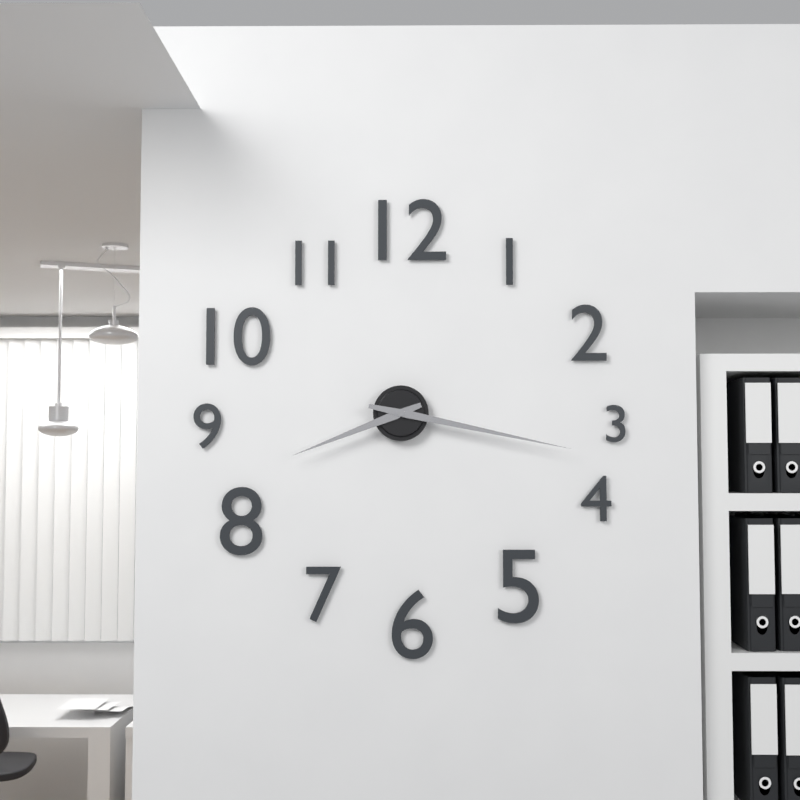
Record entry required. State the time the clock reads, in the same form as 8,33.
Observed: 8,17
